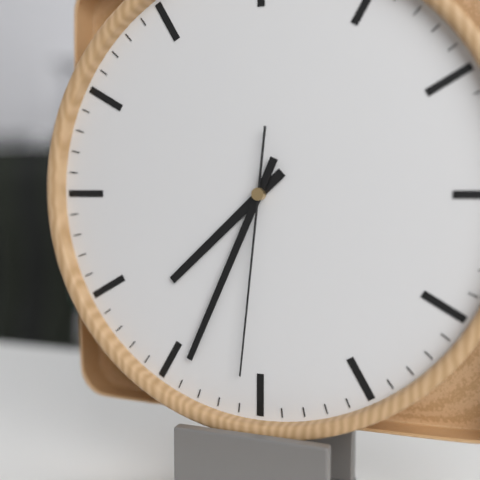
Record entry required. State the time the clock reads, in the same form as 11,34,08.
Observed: 7,34,31
